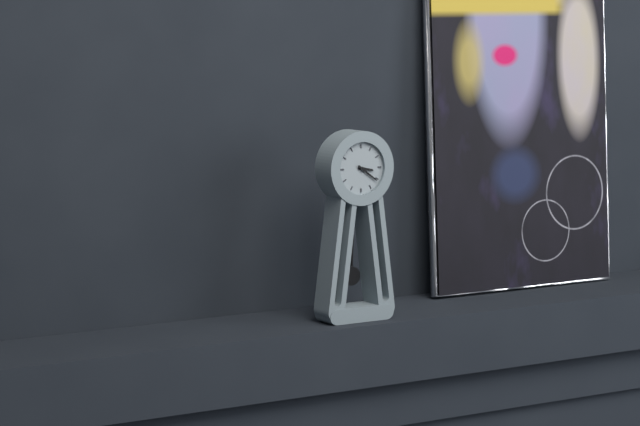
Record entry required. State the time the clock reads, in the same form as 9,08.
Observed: 3,21
